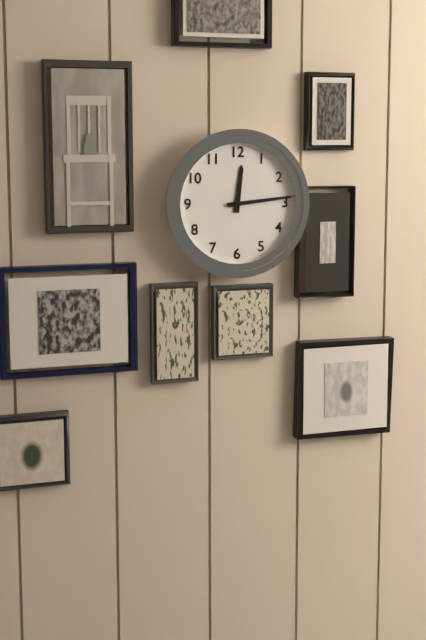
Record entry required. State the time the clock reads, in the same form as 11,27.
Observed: 12,14
